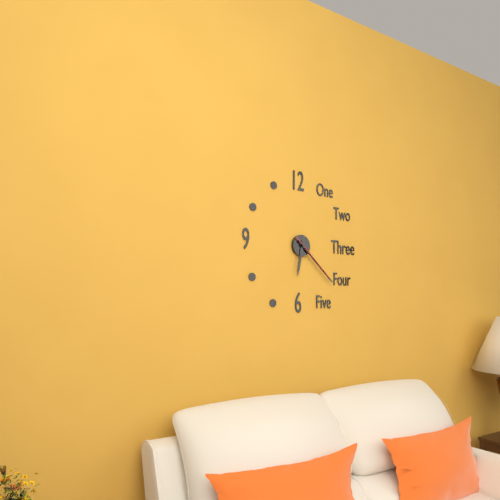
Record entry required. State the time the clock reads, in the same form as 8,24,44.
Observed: 6,22,22
